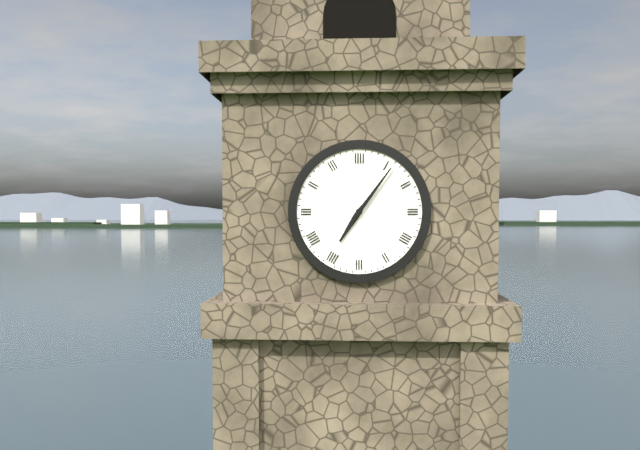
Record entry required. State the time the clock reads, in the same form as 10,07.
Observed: 7,06
